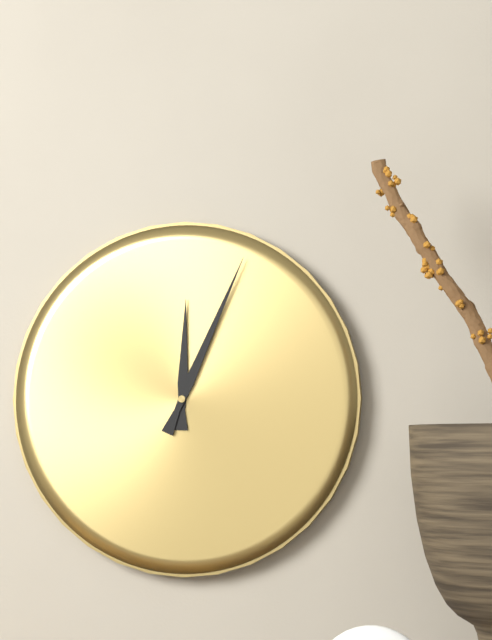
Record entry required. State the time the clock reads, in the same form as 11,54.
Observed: 12,04
